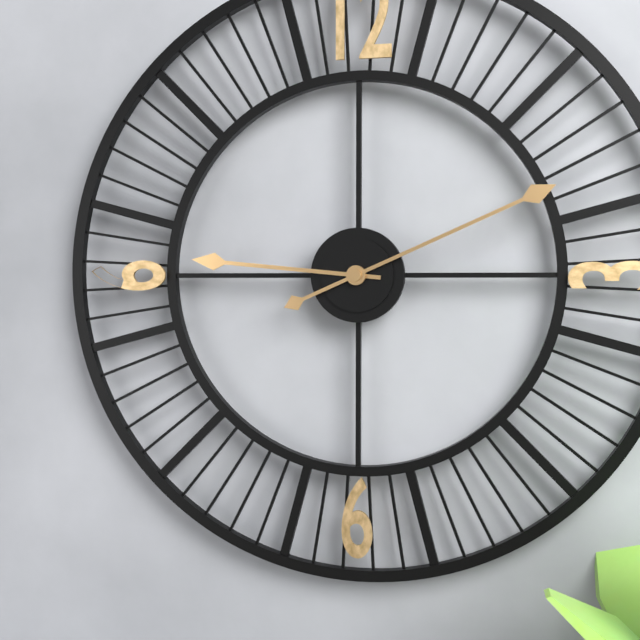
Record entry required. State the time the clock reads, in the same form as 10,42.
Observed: 9,11
